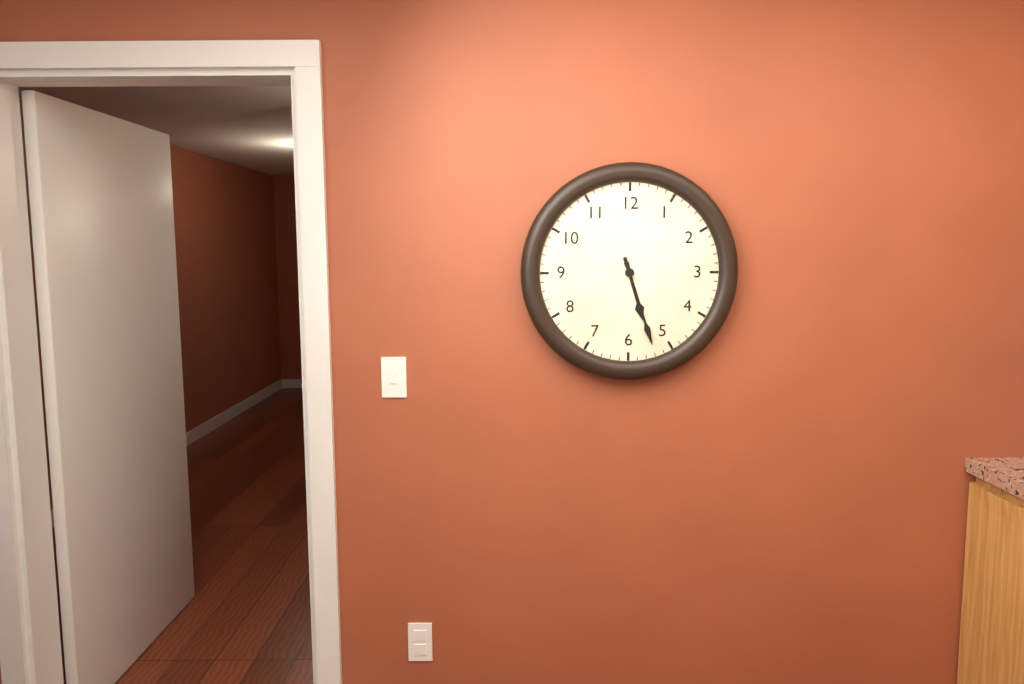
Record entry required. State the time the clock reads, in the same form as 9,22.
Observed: 5,27
